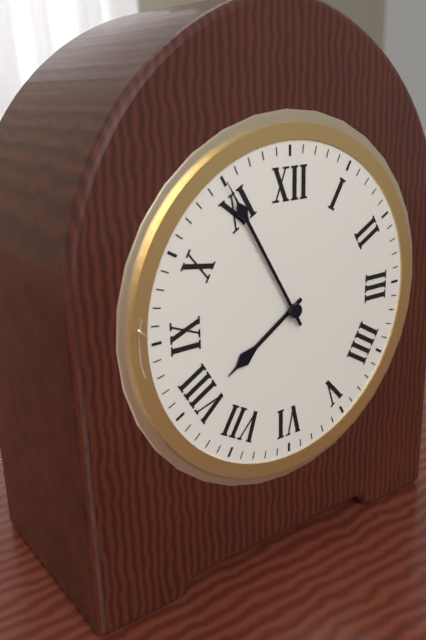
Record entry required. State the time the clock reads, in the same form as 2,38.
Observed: 7,55
